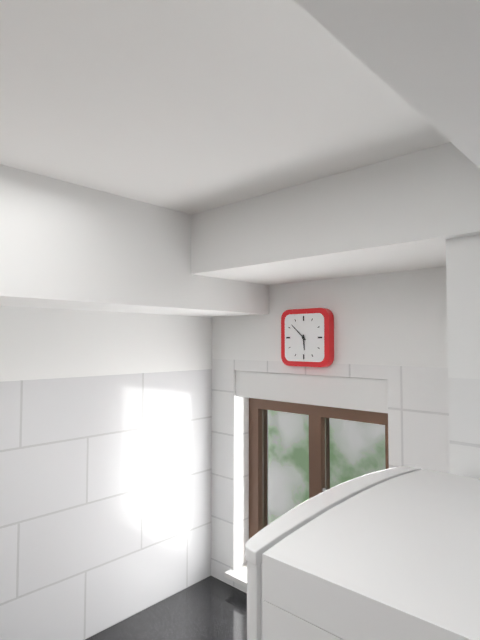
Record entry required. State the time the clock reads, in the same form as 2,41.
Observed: 5,52
